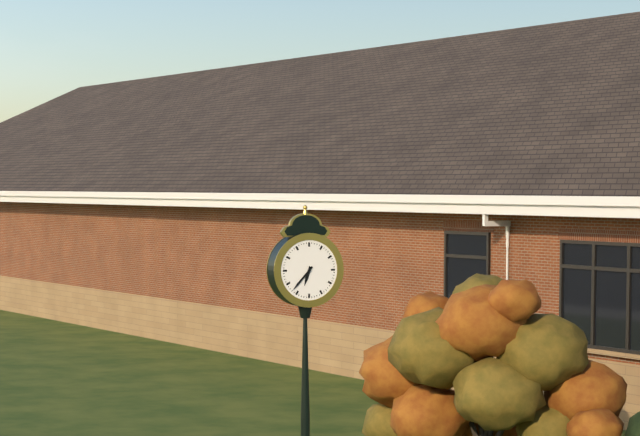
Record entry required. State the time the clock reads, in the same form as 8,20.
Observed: 6,37
